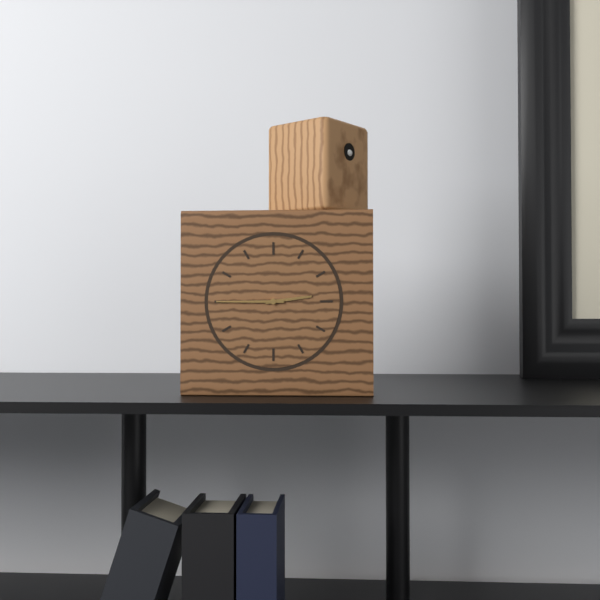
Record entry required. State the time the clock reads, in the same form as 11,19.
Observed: 2,45
